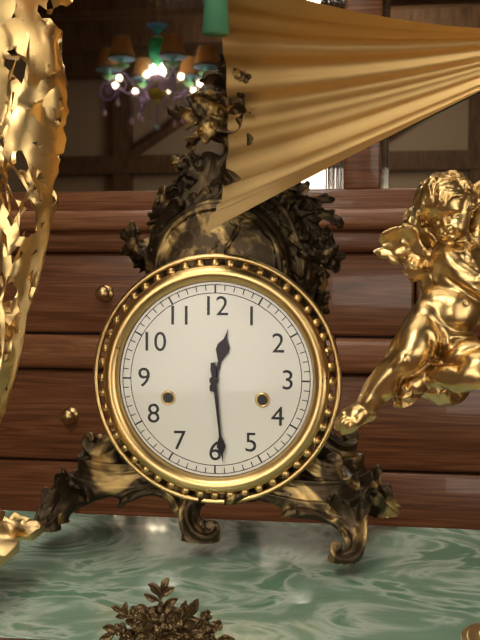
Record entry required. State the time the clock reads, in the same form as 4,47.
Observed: 12,29
